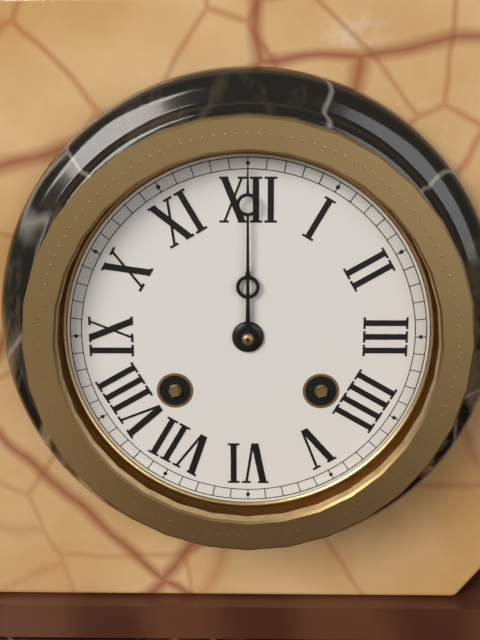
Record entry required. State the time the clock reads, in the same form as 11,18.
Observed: 12,00
